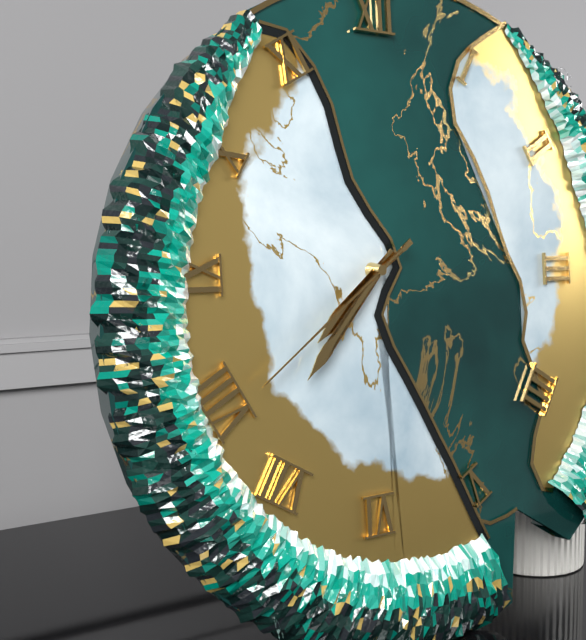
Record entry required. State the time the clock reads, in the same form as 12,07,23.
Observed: 7,37,39
